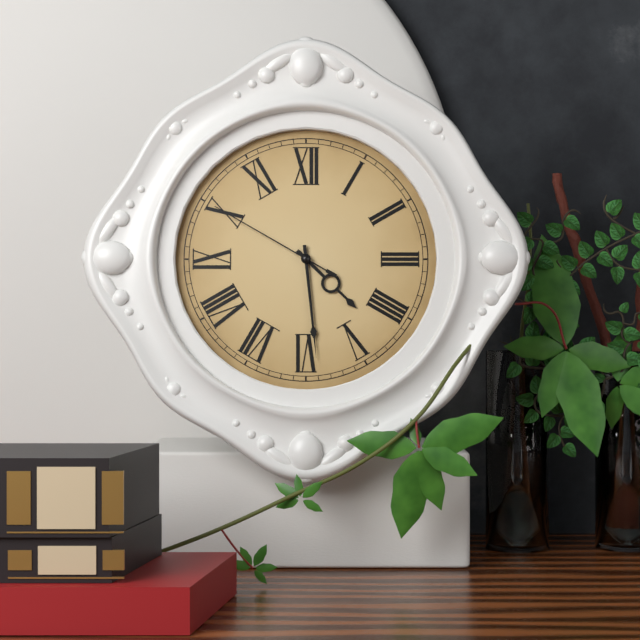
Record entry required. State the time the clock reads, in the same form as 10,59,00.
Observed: 4,29,50
